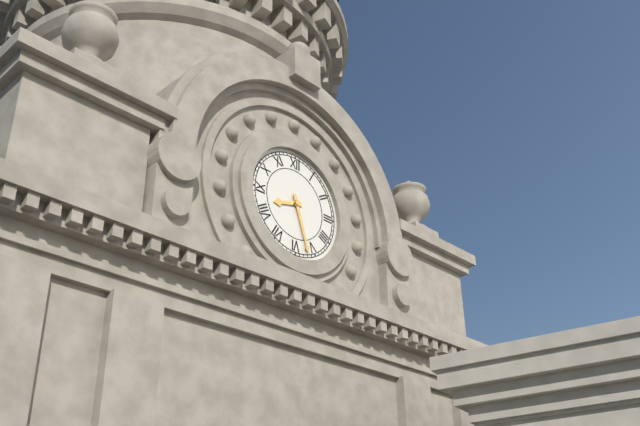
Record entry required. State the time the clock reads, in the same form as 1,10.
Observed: 8,27
